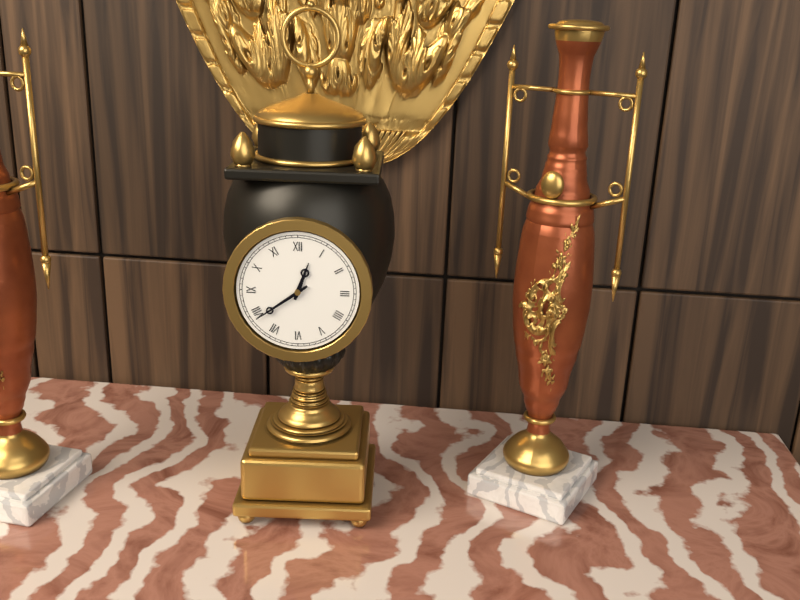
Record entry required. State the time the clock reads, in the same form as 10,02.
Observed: 12,39
